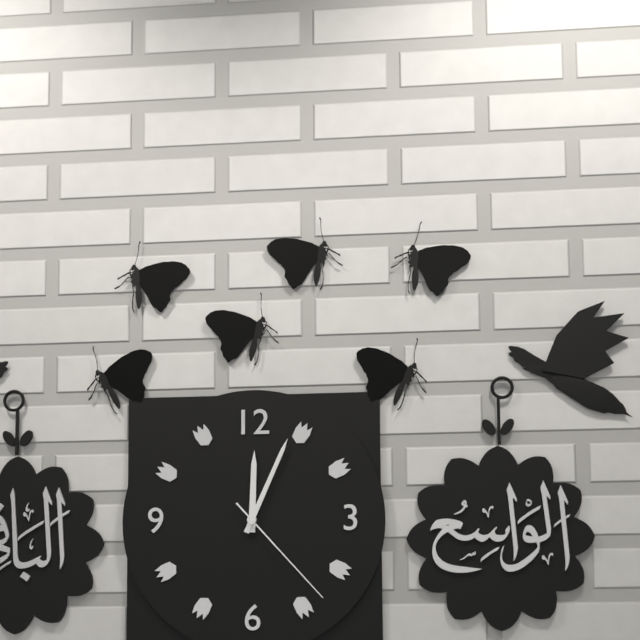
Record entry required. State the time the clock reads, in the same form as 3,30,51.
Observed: 12,04,23
